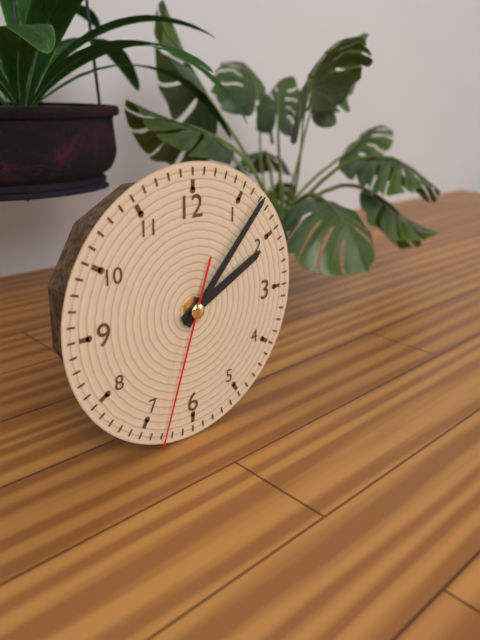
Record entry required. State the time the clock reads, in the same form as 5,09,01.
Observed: 2,07,33
